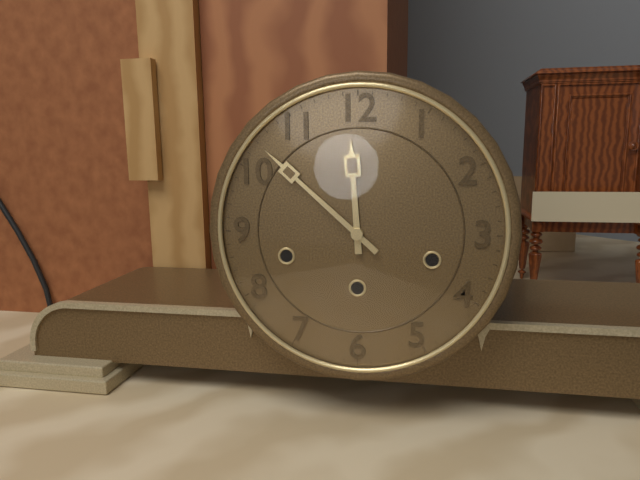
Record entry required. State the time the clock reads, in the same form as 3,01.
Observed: 11,52
